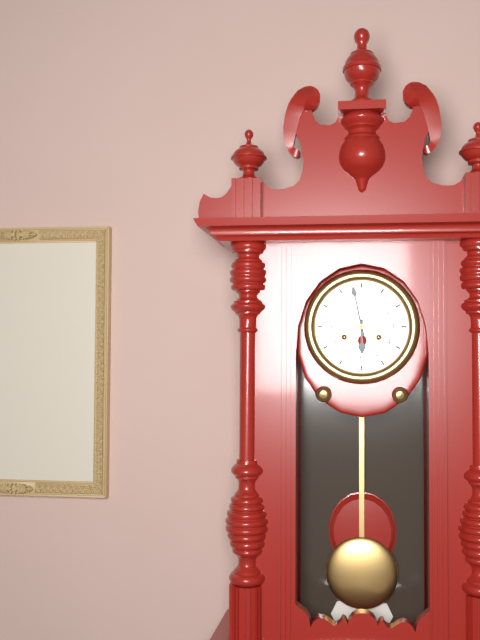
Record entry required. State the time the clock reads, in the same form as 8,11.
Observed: 5,58
